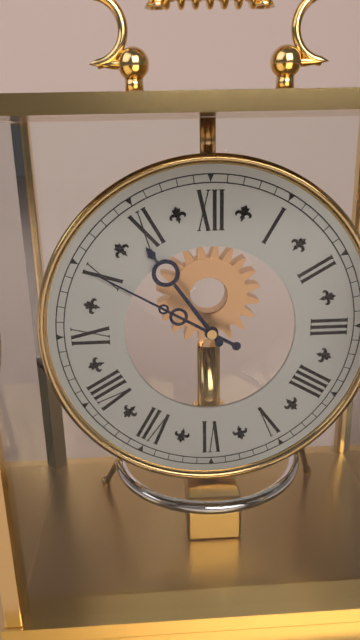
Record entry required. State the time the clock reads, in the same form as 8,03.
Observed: 10,50
